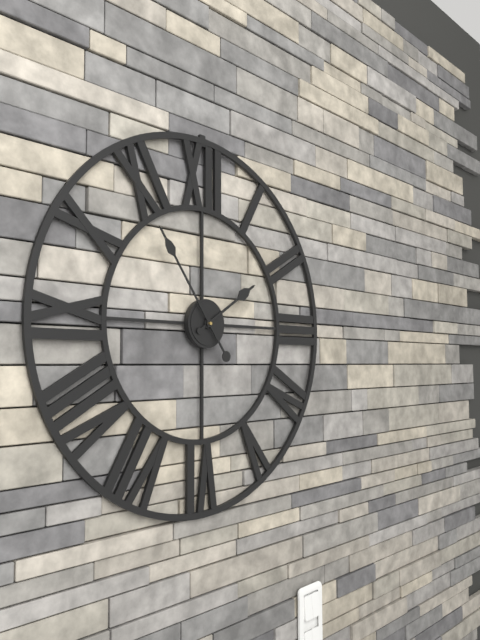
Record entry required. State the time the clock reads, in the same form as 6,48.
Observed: 1,54
